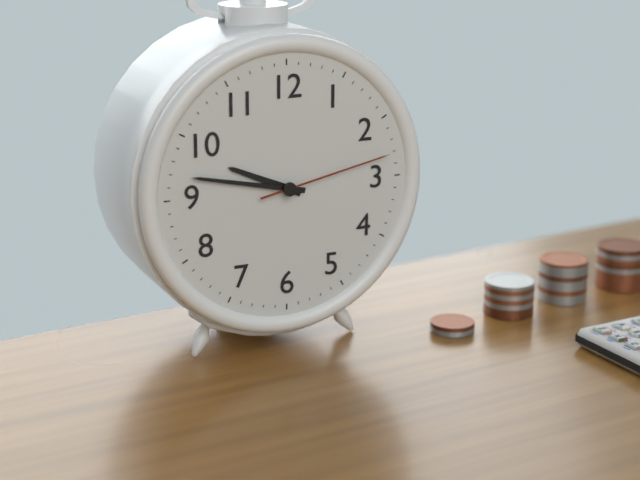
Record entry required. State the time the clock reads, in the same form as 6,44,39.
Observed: 9,47,13
